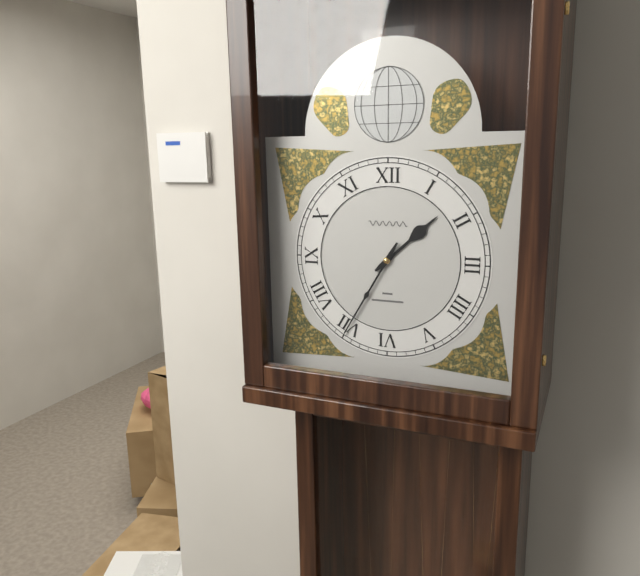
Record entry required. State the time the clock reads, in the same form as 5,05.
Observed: 1,35
